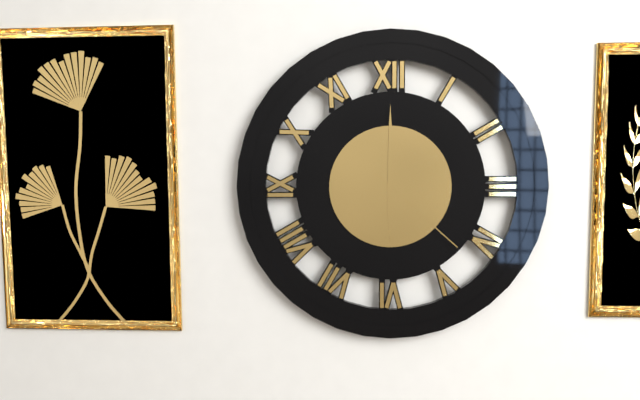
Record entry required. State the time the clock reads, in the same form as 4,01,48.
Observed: 6,00,22
